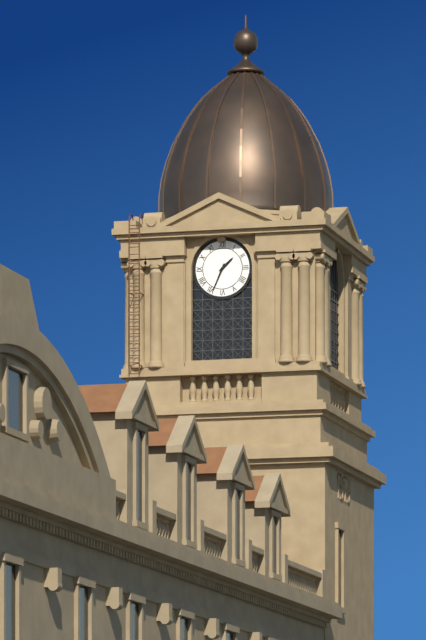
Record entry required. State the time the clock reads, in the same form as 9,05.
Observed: 1,34
